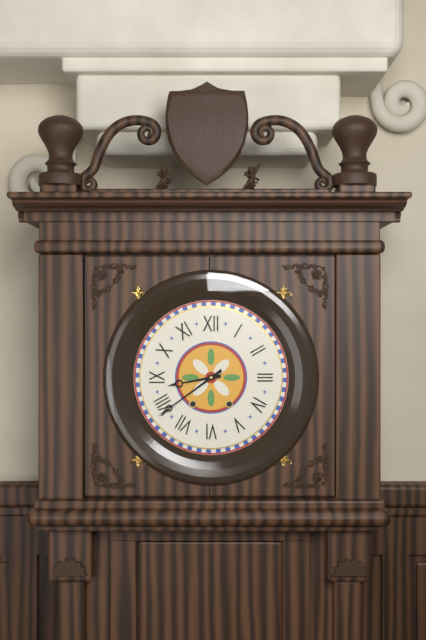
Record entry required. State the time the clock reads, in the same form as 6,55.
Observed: 8,39
